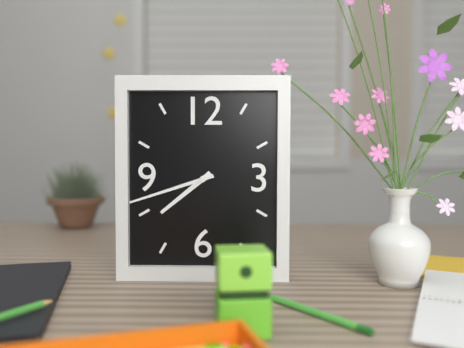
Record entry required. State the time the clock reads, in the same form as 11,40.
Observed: 7,42
